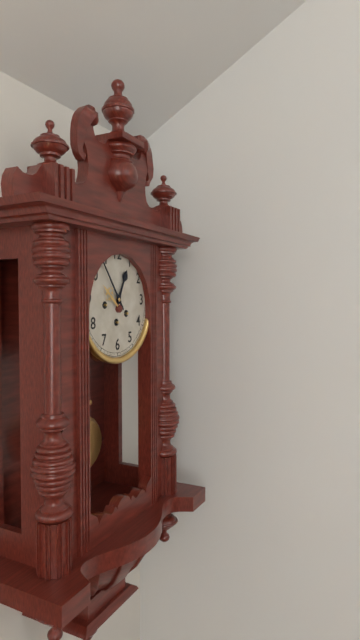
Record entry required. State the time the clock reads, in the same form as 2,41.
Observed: 12,54
